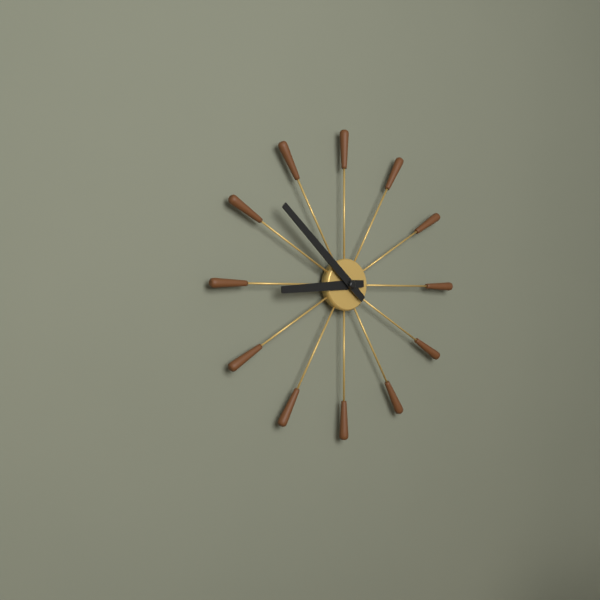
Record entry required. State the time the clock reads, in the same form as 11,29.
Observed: 8,52
